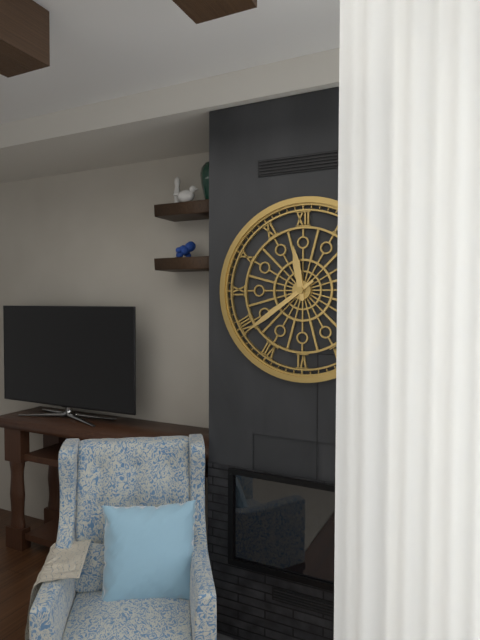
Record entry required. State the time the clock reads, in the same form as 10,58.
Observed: 11,39
